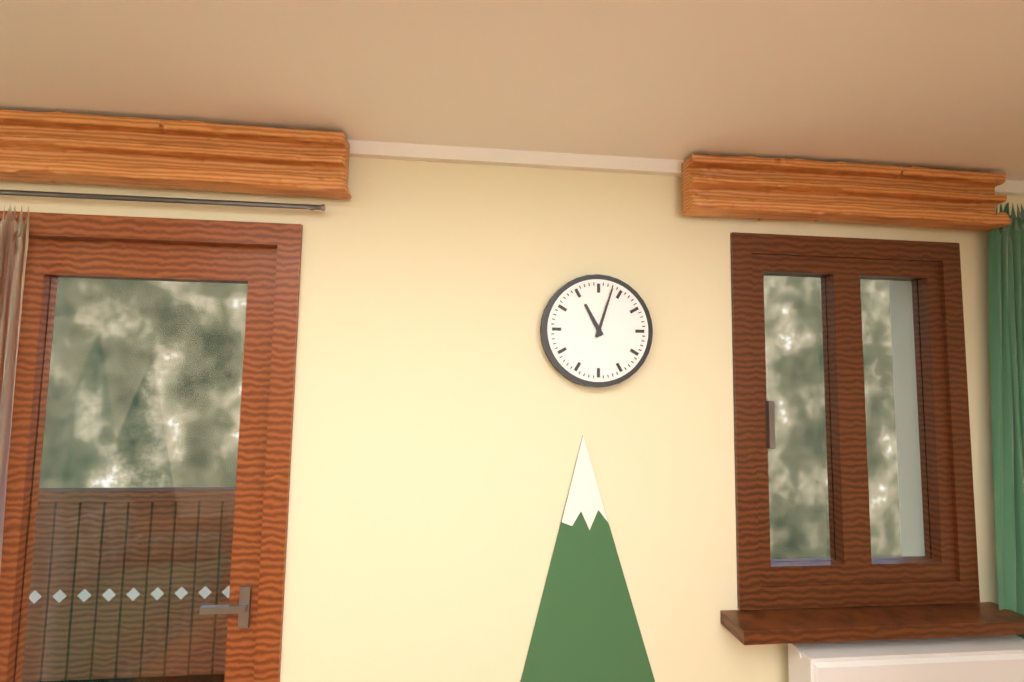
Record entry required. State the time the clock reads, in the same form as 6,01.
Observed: 11,03
